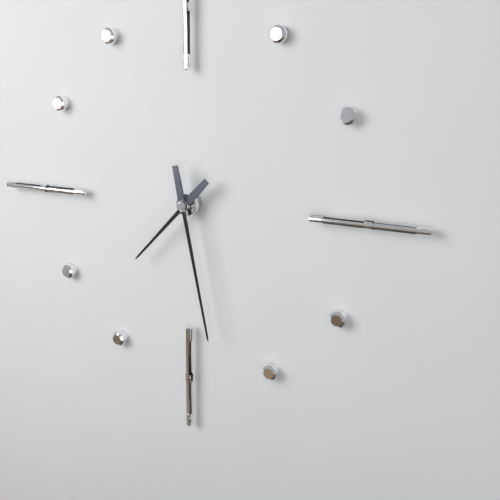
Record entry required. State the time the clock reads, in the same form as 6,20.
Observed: 7,28
